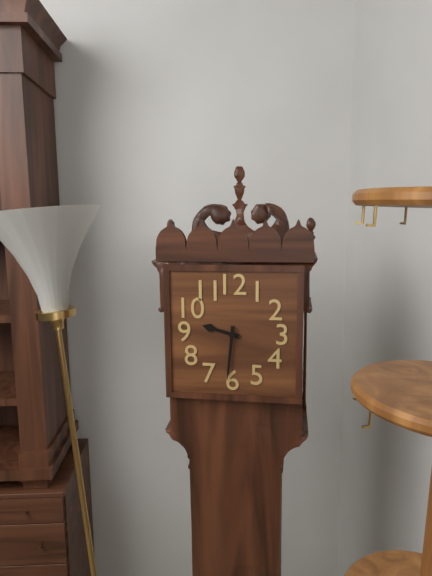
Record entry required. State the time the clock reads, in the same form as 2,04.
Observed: 9,31
